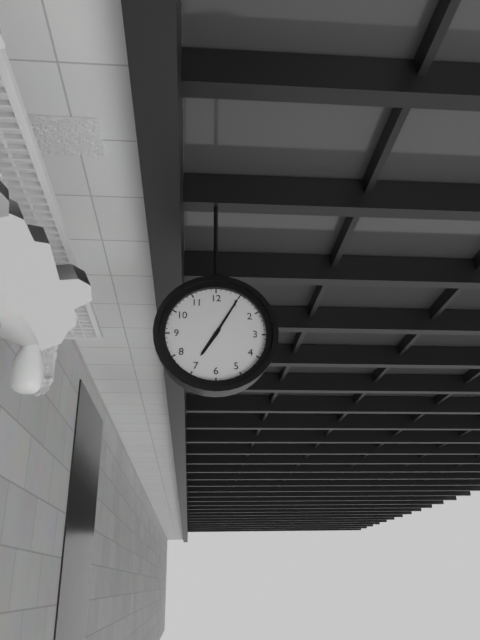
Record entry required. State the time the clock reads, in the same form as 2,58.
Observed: 7,05
